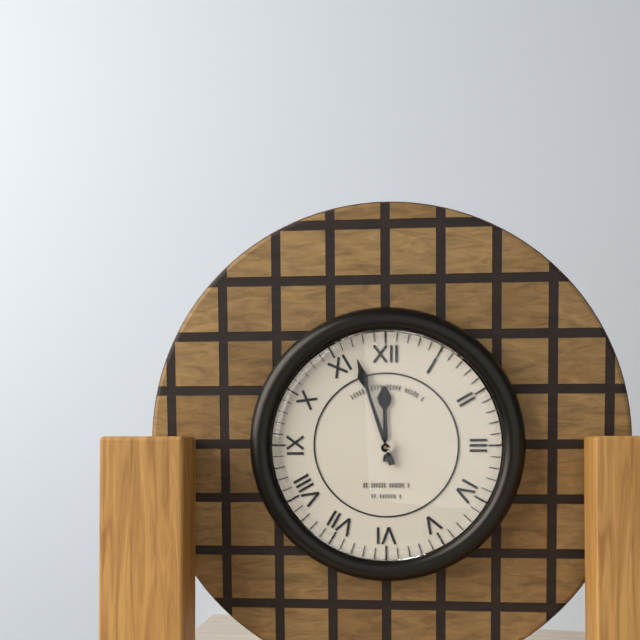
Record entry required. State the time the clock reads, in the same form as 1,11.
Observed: 11,57
